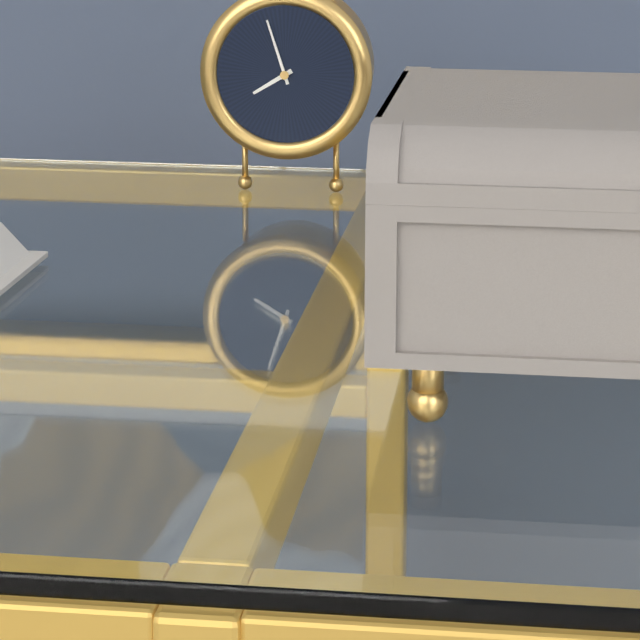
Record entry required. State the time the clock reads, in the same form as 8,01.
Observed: 7,57
